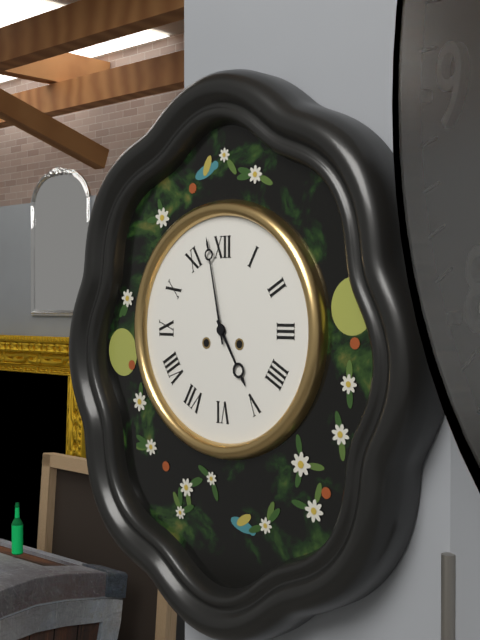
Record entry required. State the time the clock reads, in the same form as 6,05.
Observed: 4,58
